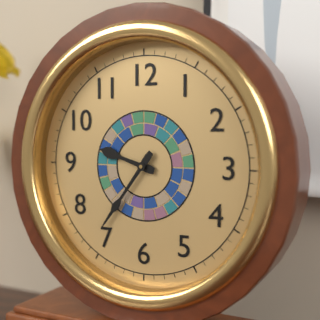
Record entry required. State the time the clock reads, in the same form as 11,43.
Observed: 9,36
